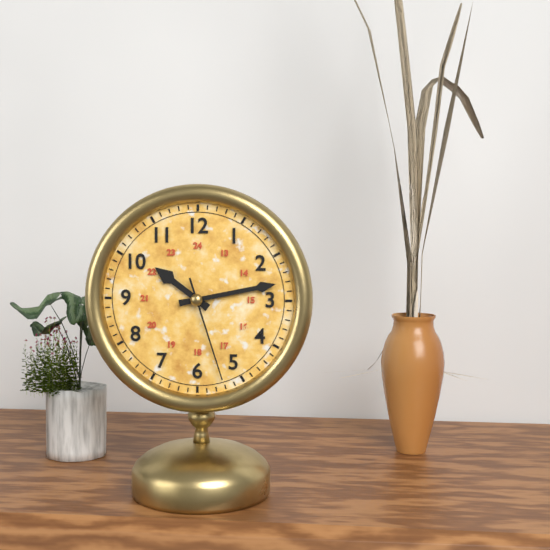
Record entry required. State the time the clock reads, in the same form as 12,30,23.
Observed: 10,13,27
